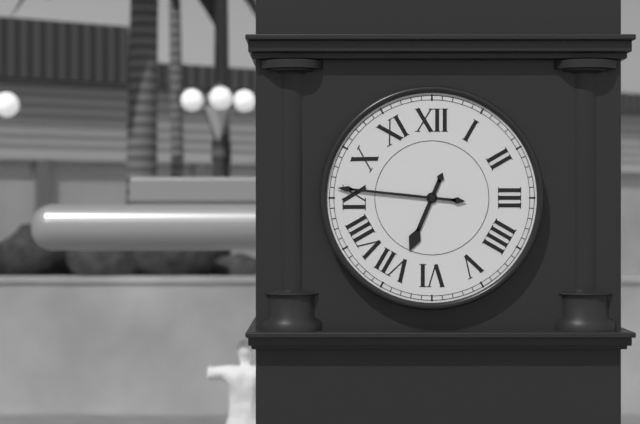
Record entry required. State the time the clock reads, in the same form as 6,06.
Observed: 6,46
